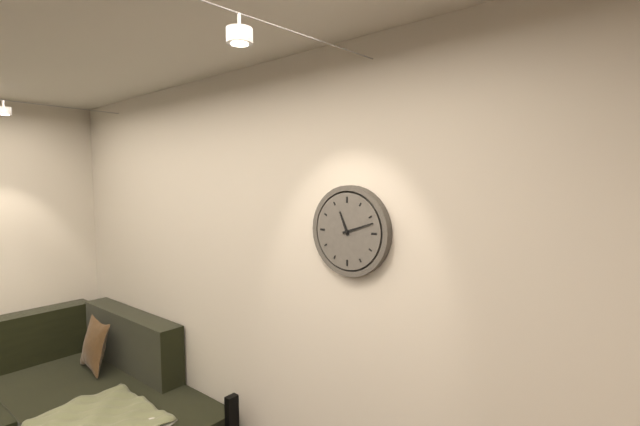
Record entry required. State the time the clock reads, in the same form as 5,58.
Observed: 11,12
